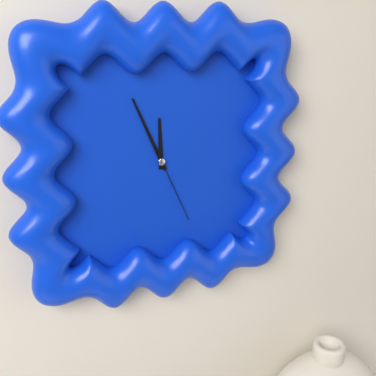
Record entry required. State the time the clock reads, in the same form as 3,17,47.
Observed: 11,56,26
